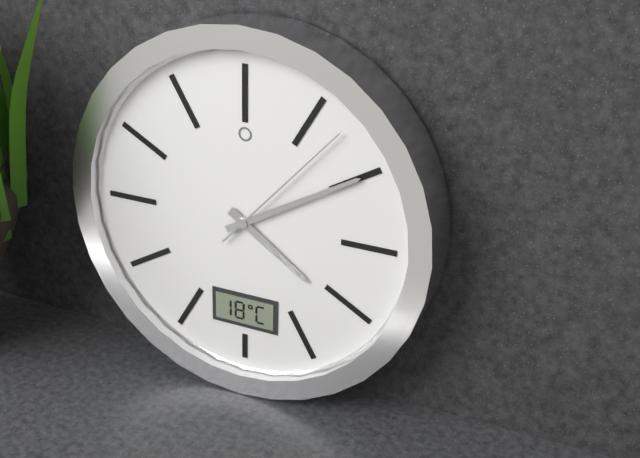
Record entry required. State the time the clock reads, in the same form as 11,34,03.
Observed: 4,10,07
